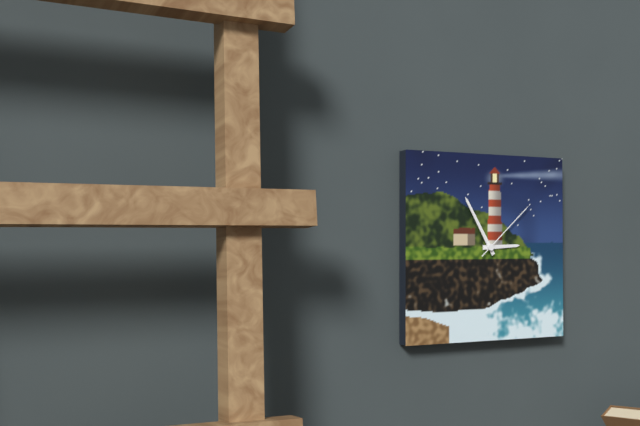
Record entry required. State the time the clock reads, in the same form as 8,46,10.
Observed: 2,55,08
